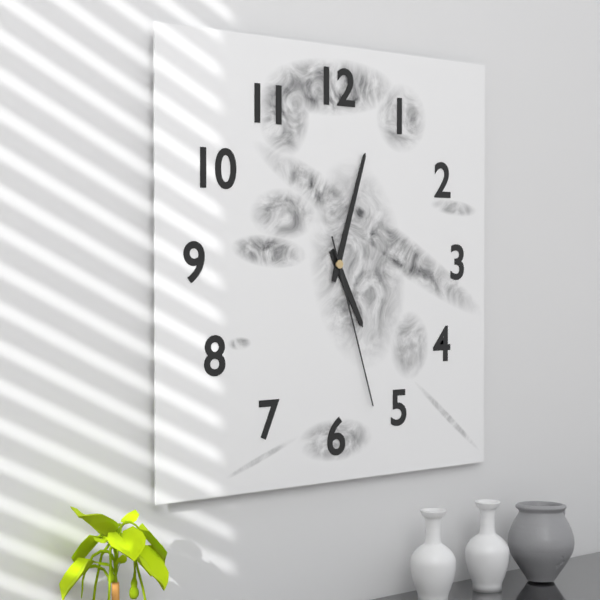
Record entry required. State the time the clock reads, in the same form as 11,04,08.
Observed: 5,03,27
